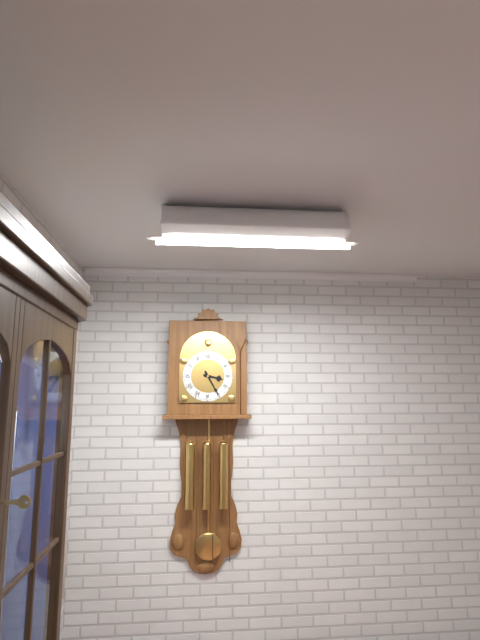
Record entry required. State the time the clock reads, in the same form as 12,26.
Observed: 3,25
